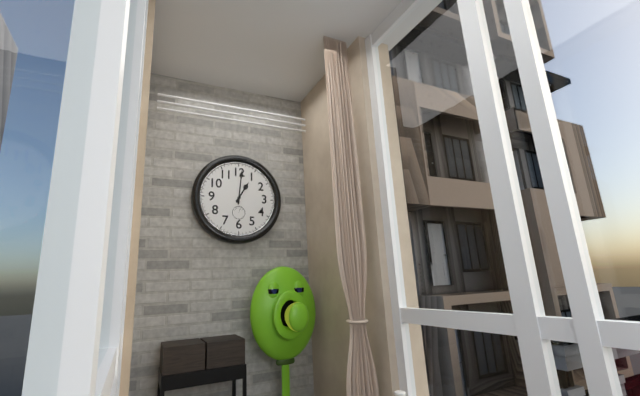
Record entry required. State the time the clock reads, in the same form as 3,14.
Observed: 1,01
